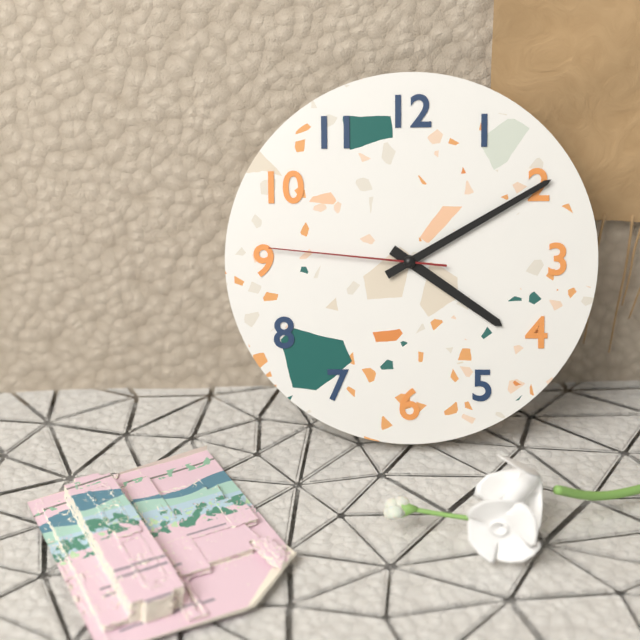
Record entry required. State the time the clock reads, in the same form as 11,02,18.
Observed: 4,10,46
